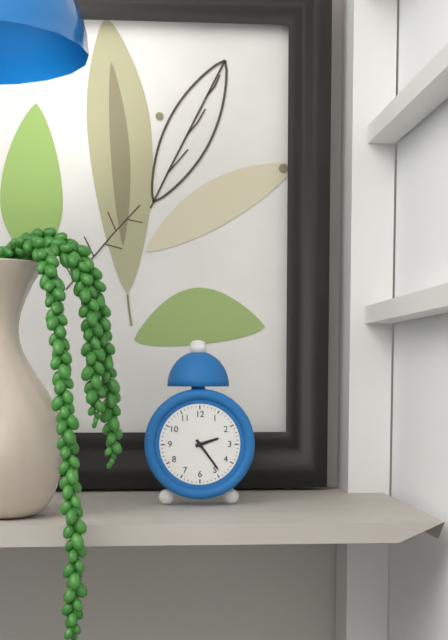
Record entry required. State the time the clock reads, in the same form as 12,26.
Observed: 2,24
